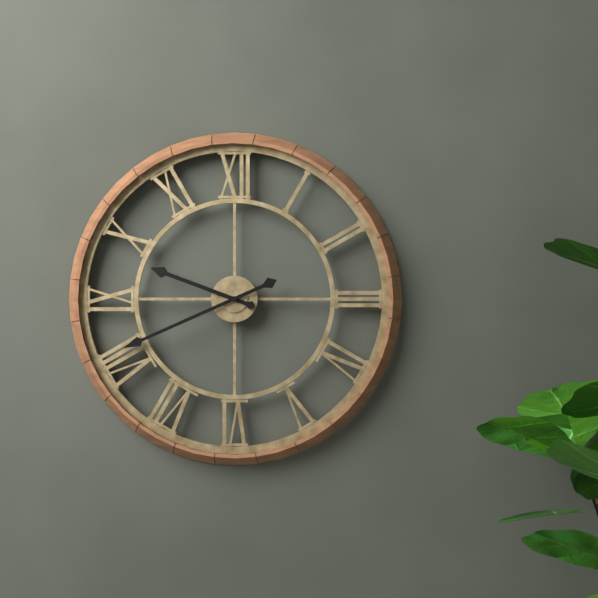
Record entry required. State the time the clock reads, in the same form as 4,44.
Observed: 9,41
